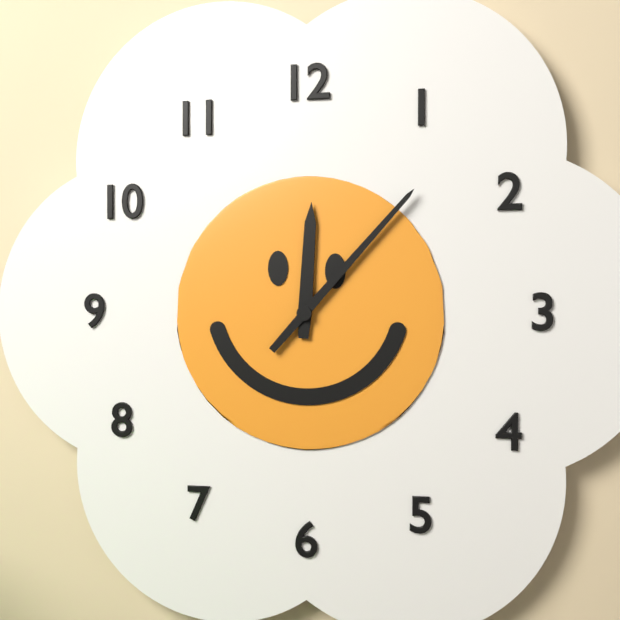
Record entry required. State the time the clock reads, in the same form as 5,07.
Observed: 12,07
